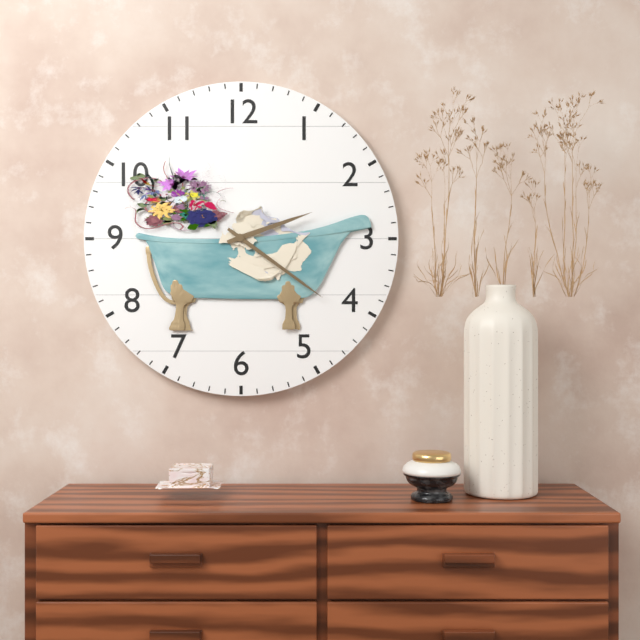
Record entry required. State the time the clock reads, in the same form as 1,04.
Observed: 2,21
